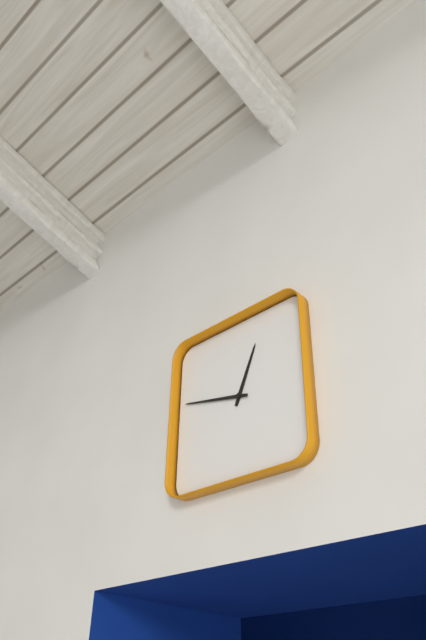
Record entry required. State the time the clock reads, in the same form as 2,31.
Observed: 12,47
